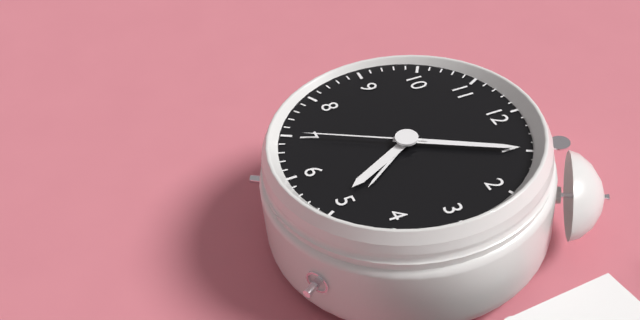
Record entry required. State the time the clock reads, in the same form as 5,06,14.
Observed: 5,05,35
